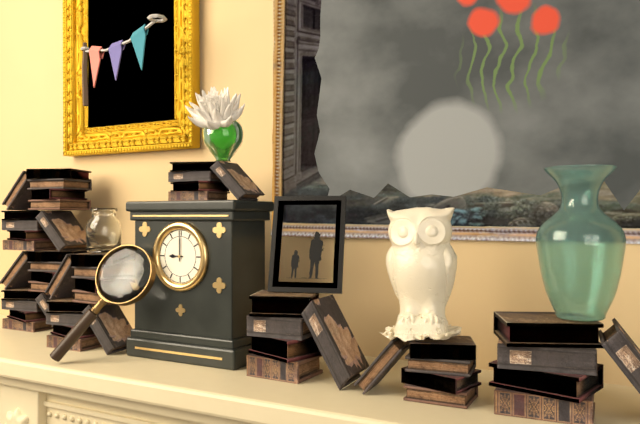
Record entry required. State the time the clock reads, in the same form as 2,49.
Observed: 9,00
